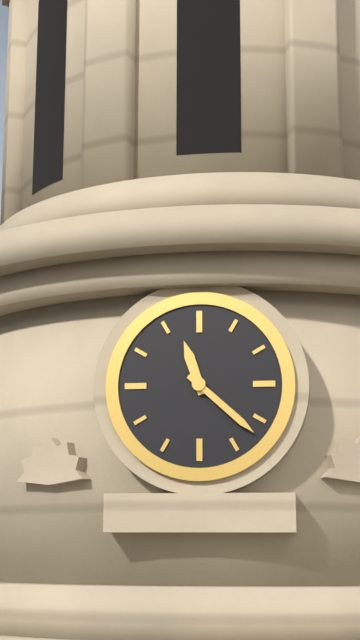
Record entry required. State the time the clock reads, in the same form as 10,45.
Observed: 11,22
